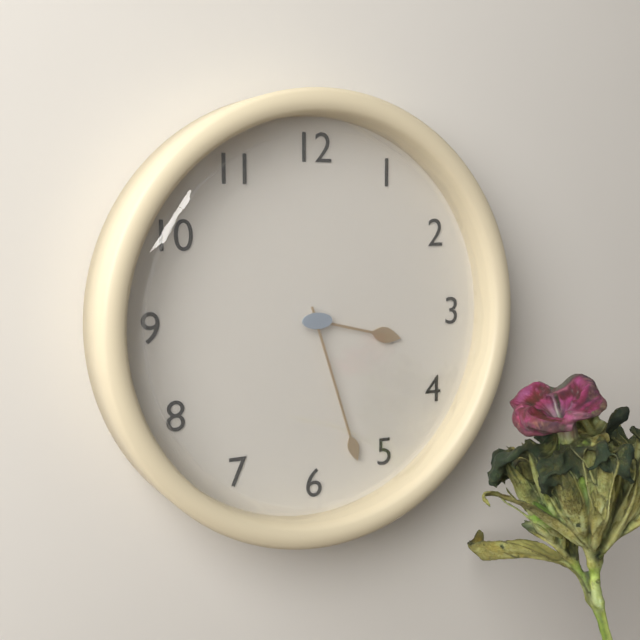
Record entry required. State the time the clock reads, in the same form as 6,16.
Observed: 3,27
